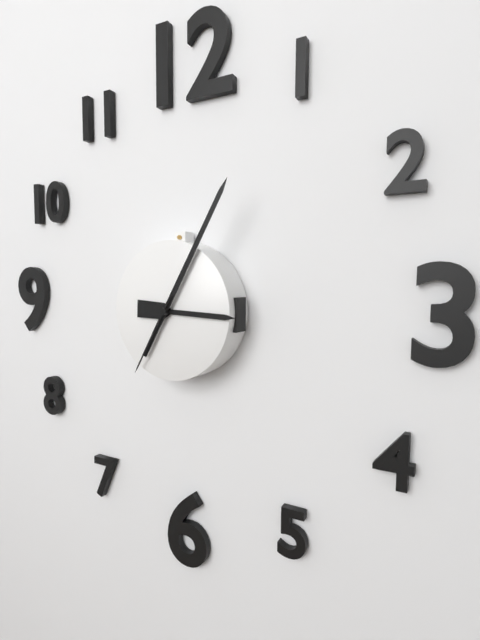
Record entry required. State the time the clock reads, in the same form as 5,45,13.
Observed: 3,05,35
